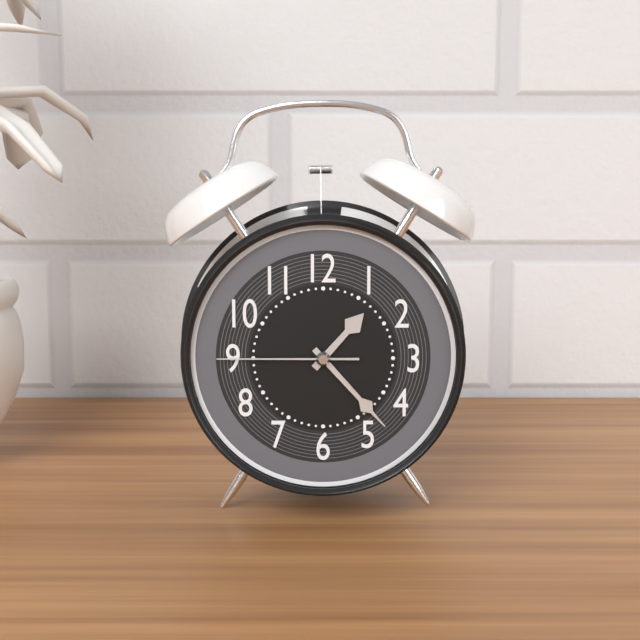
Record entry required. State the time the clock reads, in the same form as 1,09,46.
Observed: 1,23,45
